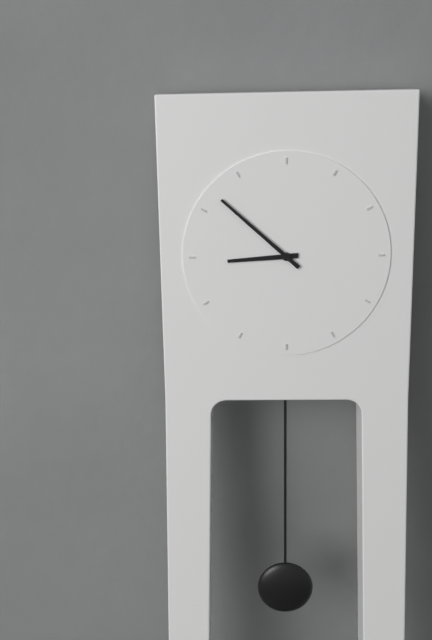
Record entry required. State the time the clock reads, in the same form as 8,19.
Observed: 8,52
